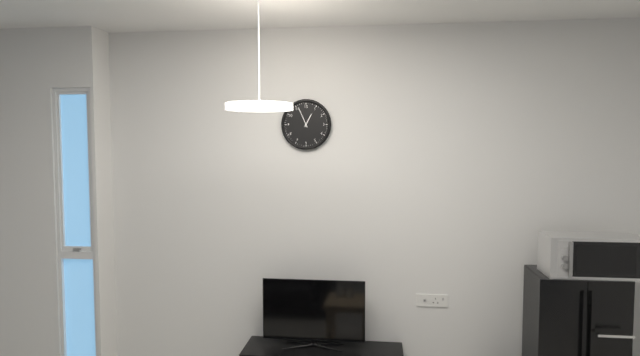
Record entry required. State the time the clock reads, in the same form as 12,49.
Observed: 12,56
